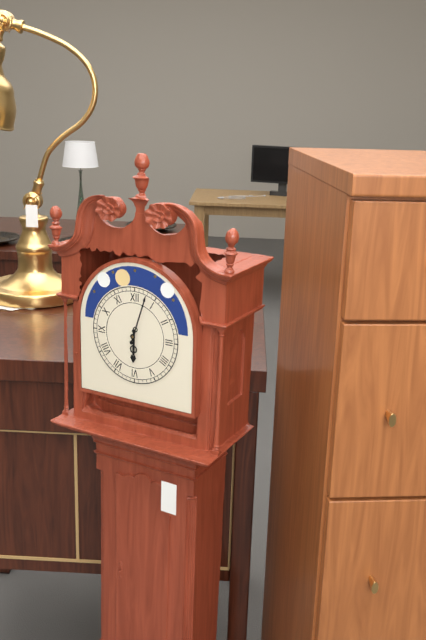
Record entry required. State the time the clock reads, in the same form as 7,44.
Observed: 6,03
